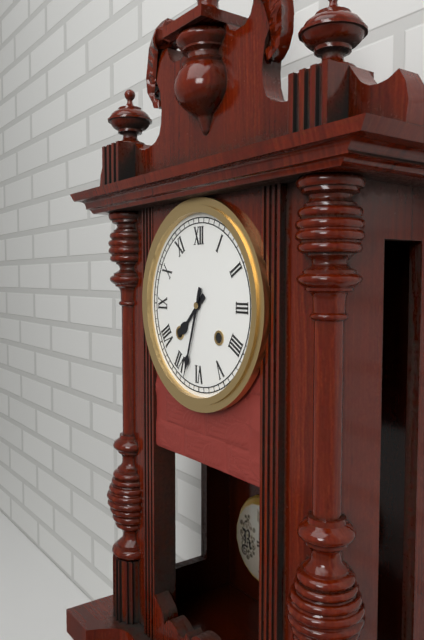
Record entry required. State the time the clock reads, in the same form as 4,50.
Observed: 7,33
